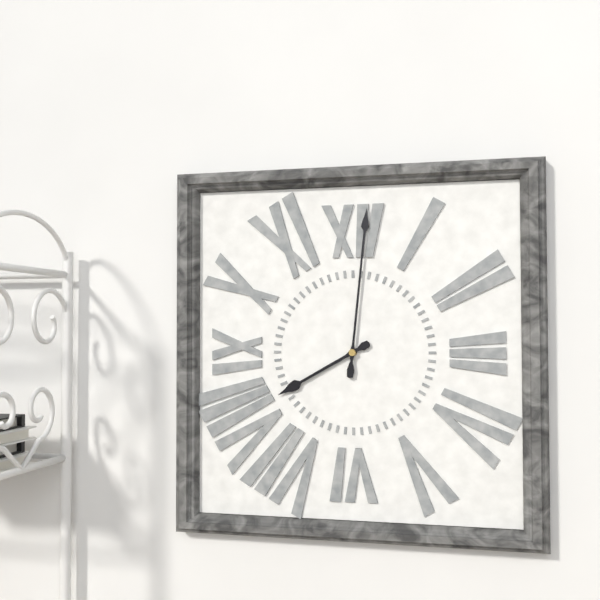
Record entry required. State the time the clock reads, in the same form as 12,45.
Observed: 8,01
